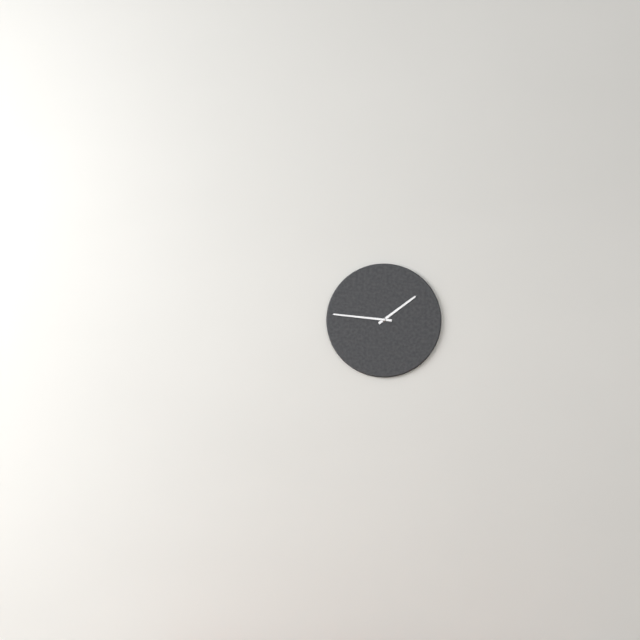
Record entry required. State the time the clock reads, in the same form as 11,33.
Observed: 1,46
